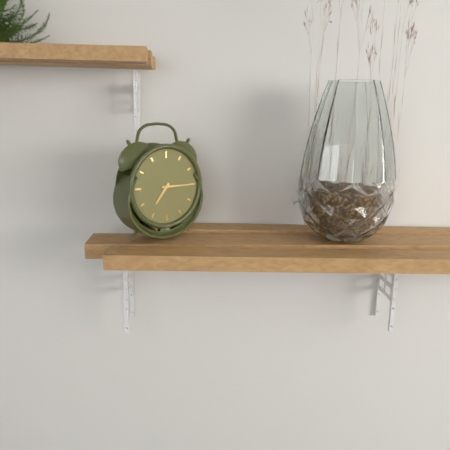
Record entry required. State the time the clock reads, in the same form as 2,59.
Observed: 7,15
